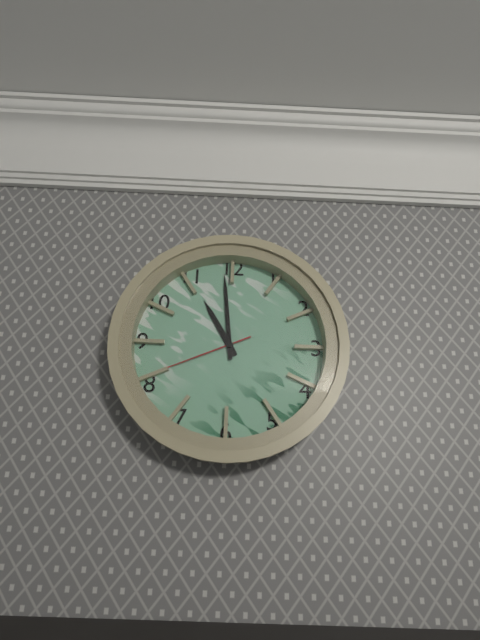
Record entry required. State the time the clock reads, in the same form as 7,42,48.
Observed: 10,59,41
